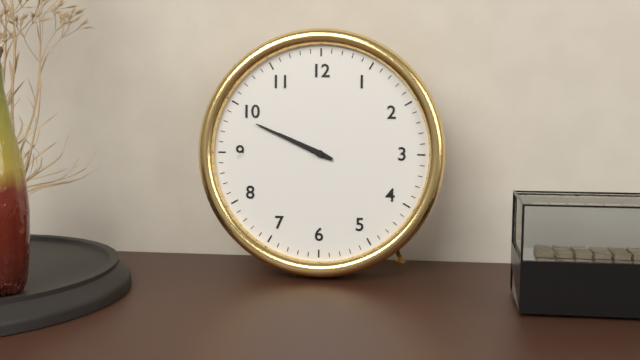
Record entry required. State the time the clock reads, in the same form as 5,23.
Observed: 9,49
